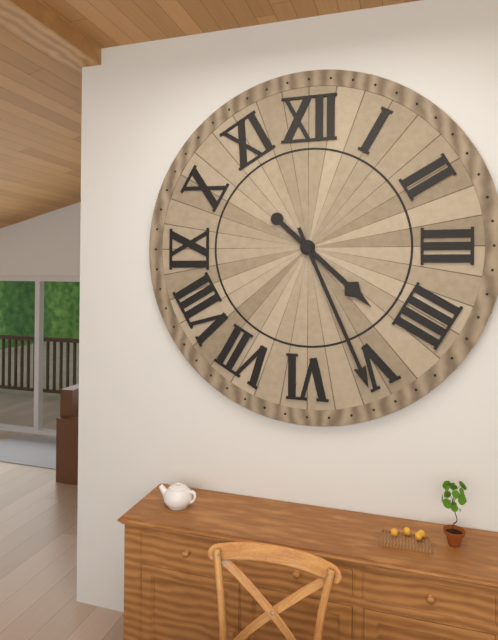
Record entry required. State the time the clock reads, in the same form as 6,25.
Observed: 4,26
